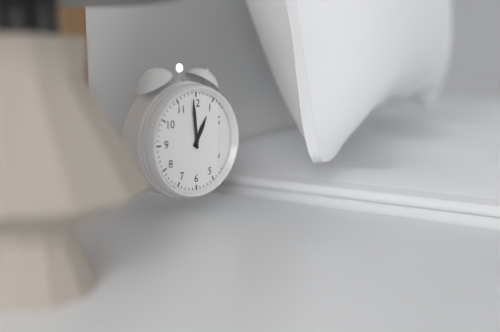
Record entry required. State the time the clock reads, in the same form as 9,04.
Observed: 12,59
